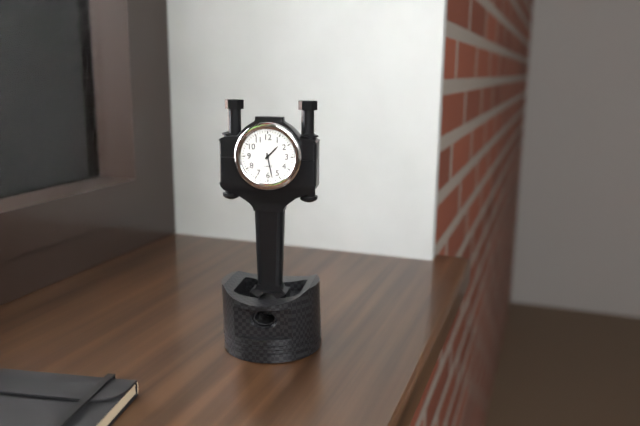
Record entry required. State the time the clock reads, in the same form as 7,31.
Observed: 1,28
